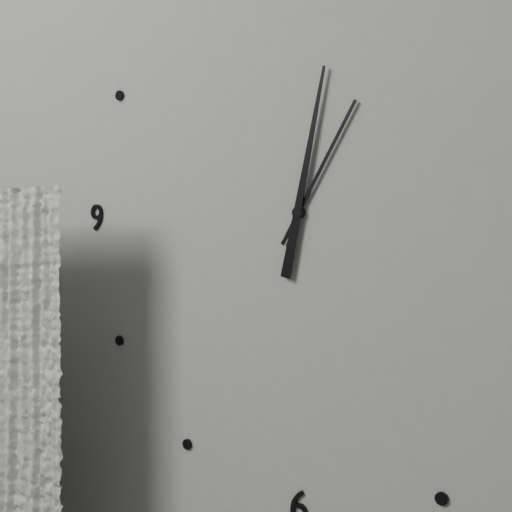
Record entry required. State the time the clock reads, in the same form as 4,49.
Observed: 1,02
